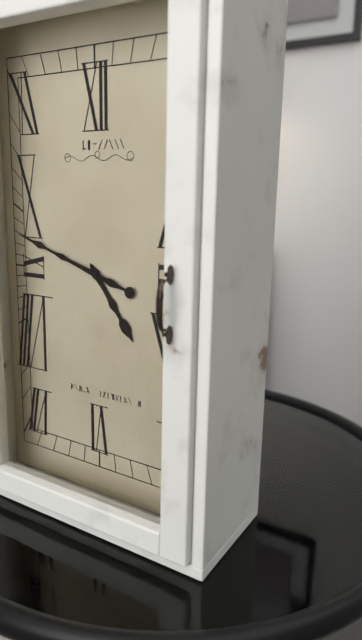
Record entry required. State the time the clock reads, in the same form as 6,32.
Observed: 4,48
